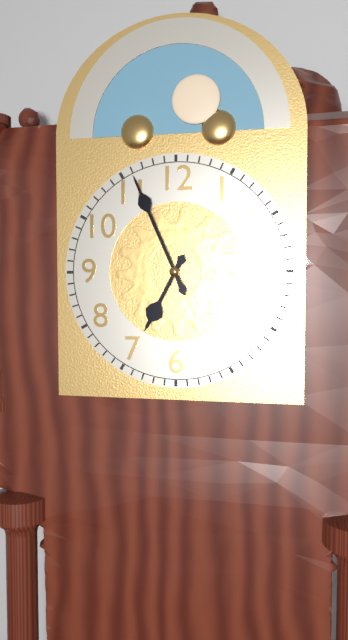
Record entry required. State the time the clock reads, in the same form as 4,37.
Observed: 6,56
